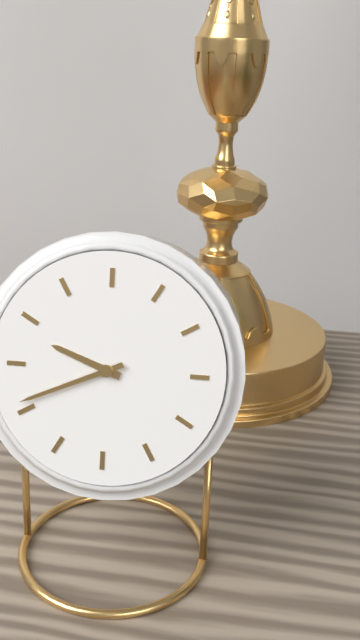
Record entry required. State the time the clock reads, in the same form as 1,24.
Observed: 9,41
